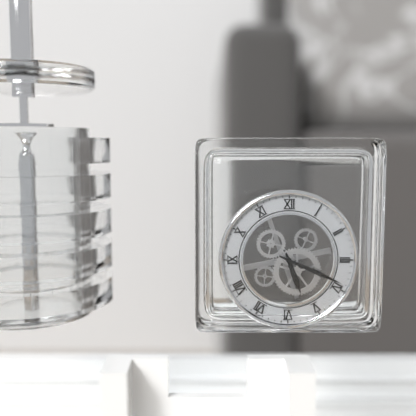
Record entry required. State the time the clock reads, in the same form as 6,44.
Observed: 5,19
